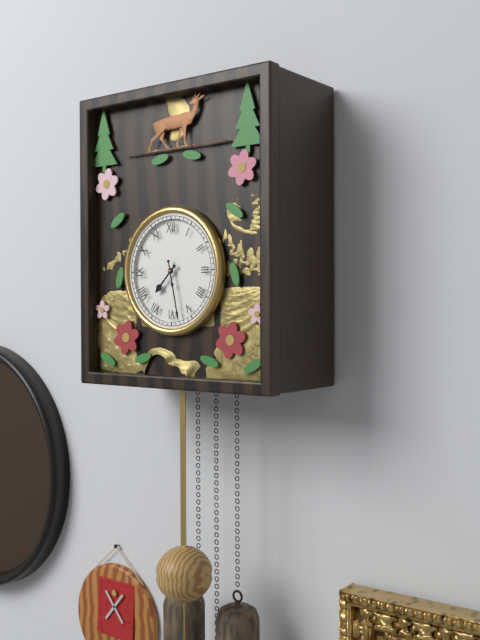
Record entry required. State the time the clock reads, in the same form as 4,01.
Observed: 7,28
